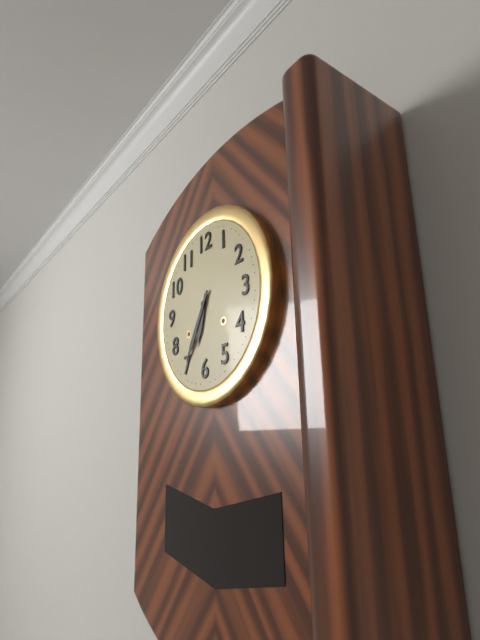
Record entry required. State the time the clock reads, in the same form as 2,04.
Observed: 6,35
